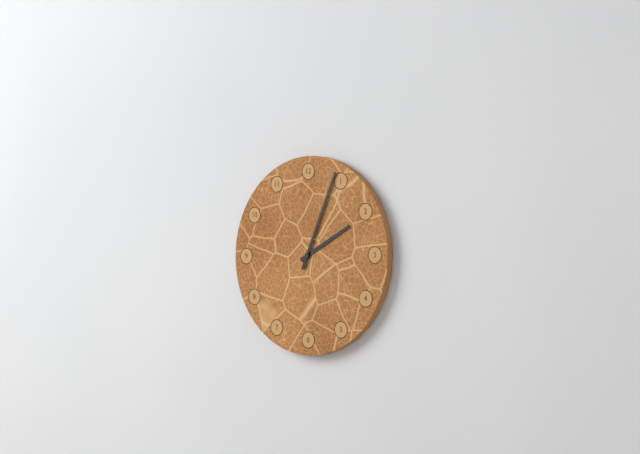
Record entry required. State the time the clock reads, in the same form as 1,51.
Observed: 2,04
